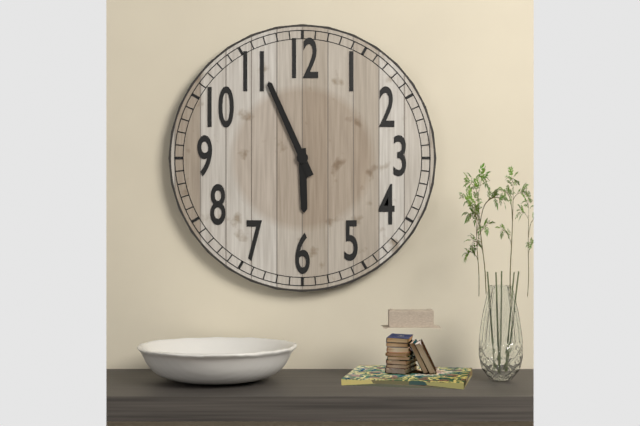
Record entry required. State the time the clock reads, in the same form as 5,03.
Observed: 5,56
